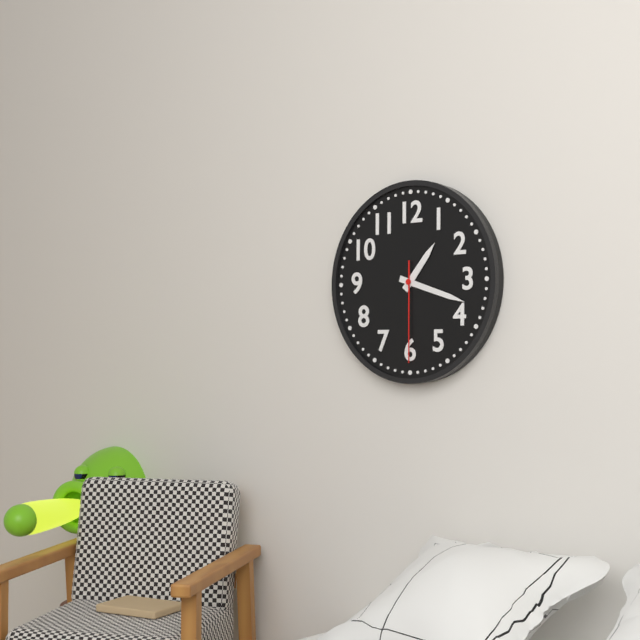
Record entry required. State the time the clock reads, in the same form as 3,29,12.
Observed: 1,18,30
